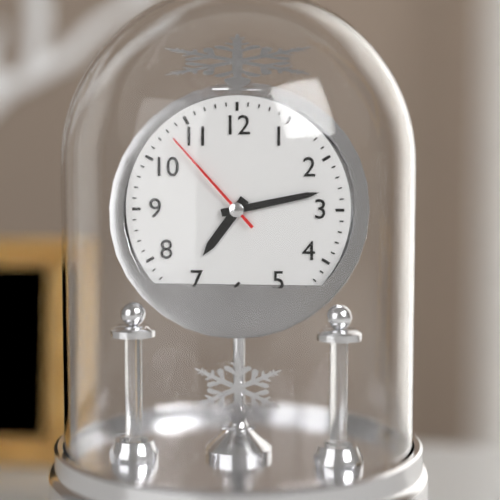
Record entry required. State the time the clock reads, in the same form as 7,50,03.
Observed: 7,13,53
